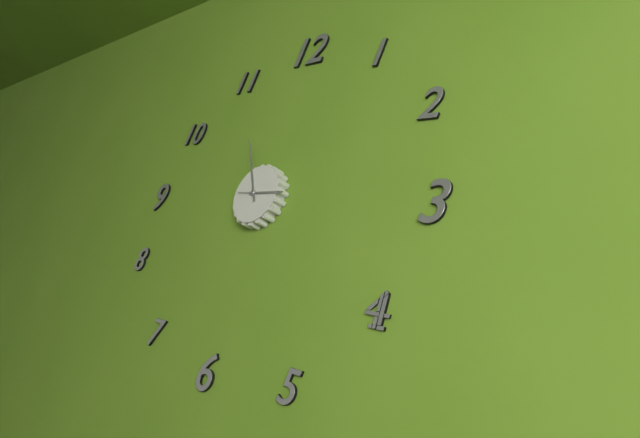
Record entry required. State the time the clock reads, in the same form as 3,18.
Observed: 2,55
